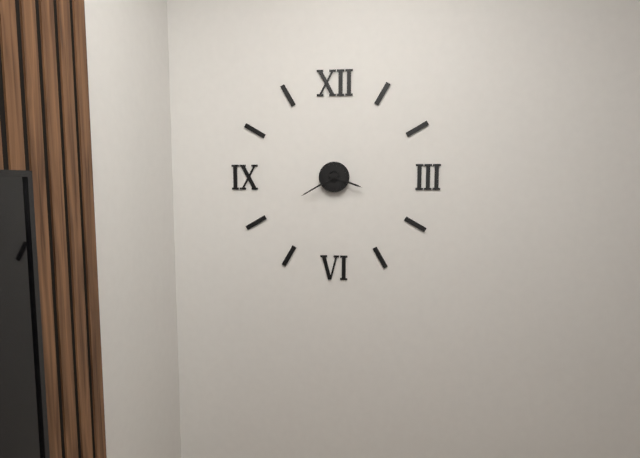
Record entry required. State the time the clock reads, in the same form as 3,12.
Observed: 3,40
